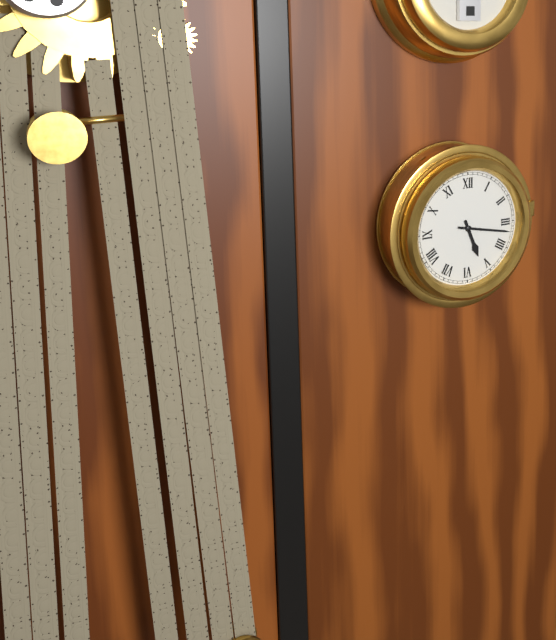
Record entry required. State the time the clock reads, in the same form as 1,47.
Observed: 5,17
